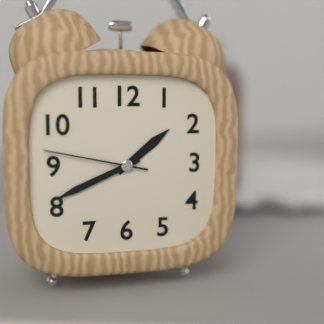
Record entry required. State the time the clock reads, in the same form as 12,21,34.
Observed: 1,41,47
